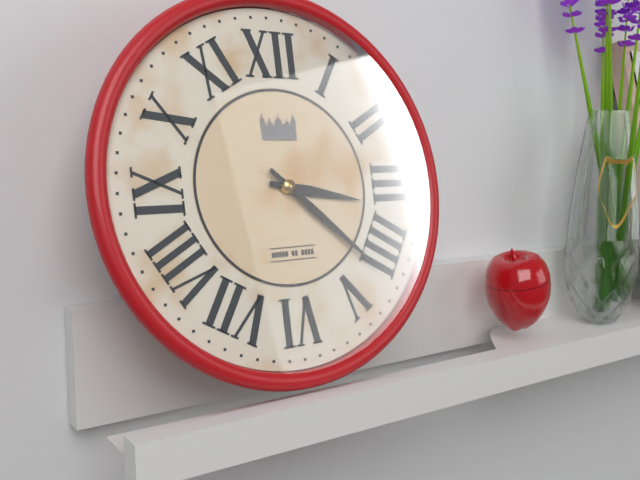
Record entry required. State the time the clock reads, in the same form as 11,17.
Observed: 3,22
